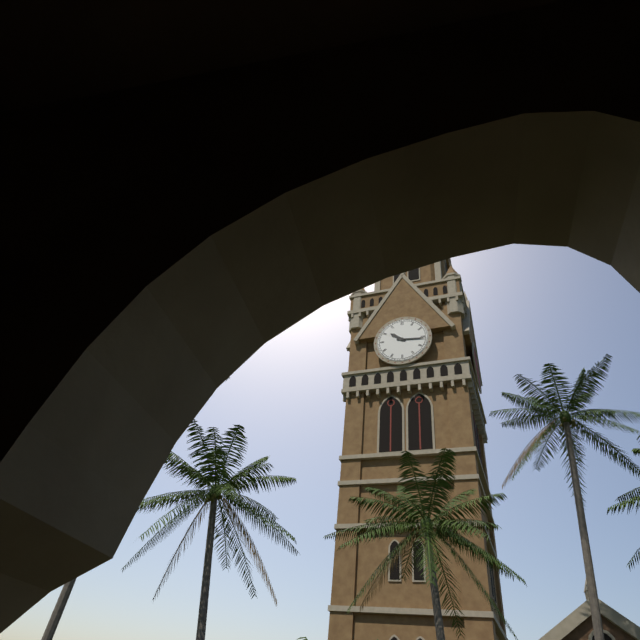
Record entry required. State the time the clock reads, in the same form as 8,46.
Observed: 10,16
